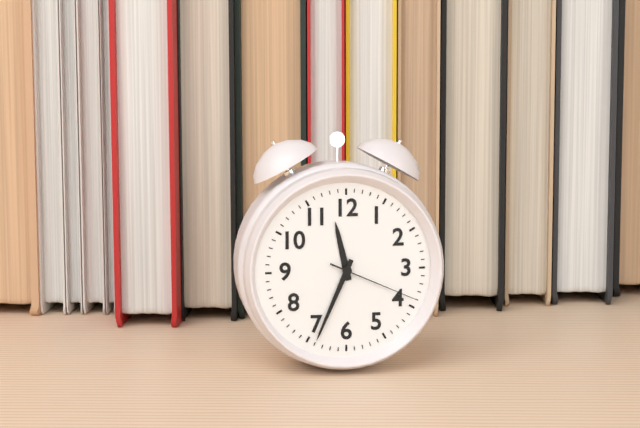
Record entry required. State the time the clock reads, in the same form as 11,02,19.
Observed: 11,34,19
